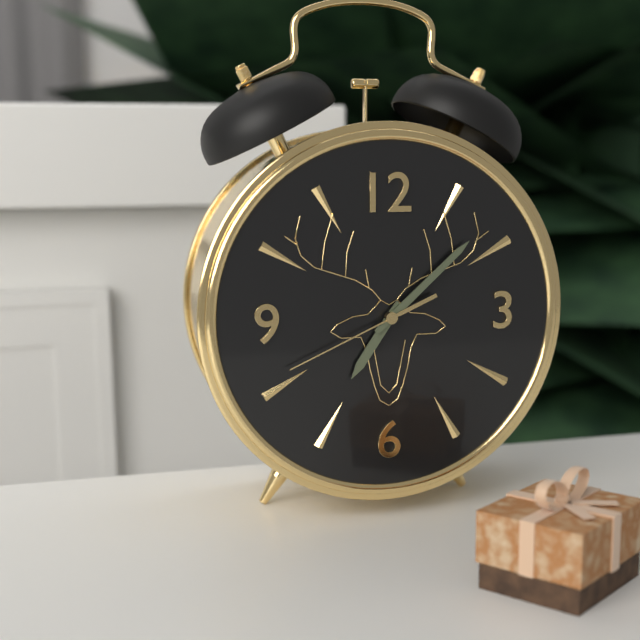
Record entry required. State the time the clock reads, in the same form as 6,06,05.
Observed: 7,08,41
